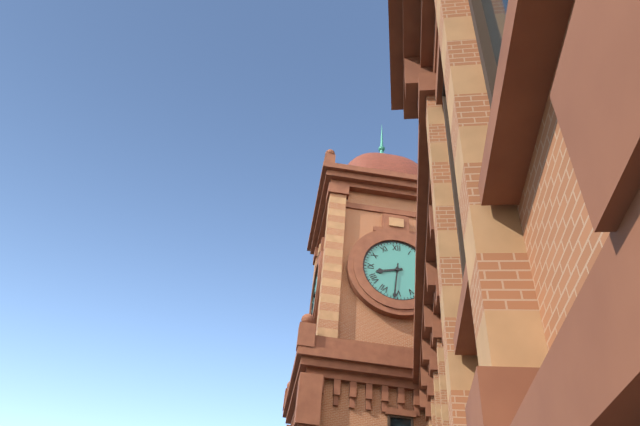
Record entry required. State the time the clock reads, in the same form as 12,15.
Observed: 8,31
